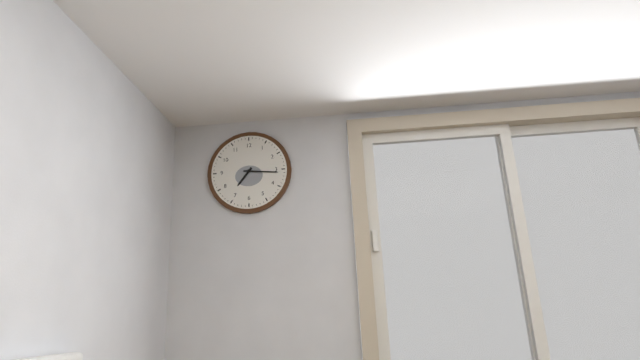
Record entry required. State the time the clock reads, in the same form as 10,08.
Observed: 7,16
